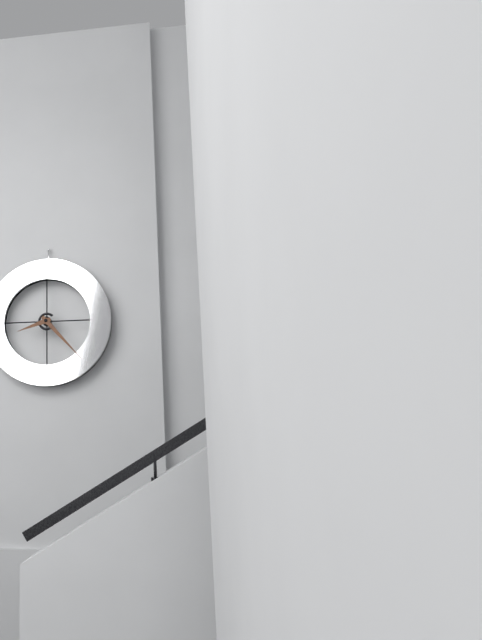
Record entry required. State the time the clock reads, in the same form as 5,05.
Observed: 8,23
